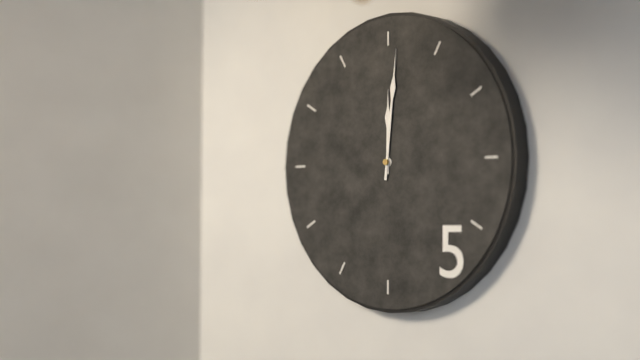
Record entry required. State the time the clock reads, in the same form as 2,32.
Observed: 12,01
